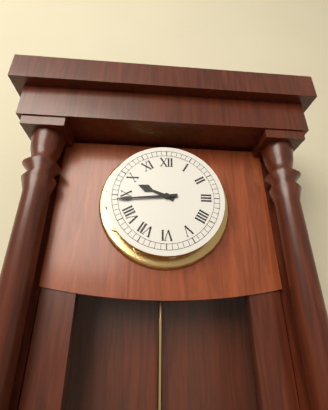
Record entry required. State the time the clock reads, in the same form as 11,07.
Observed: 9,44
